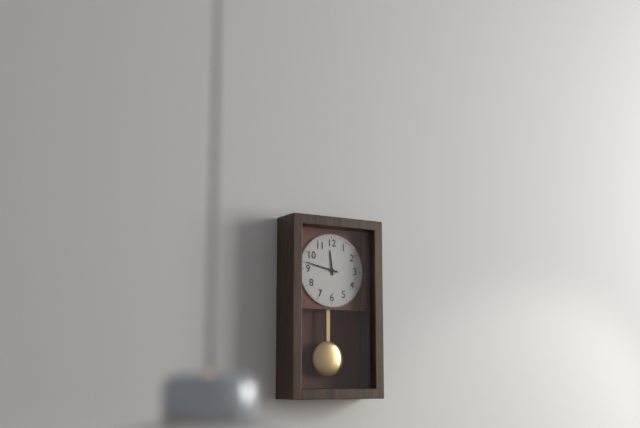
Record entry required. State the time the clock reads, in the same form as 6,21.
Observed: 11,47
